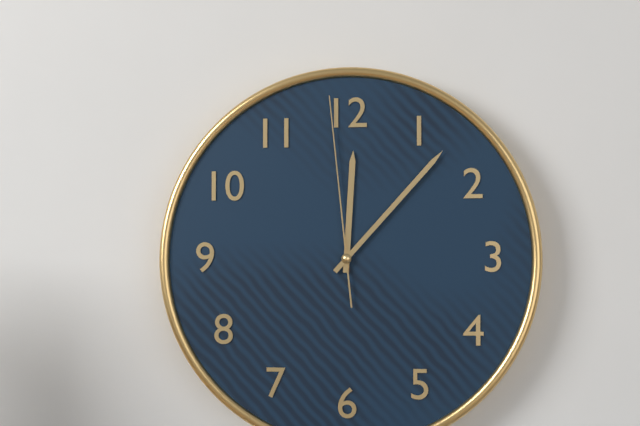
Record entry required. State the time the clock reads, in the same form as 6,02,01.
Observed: 12,07,59
